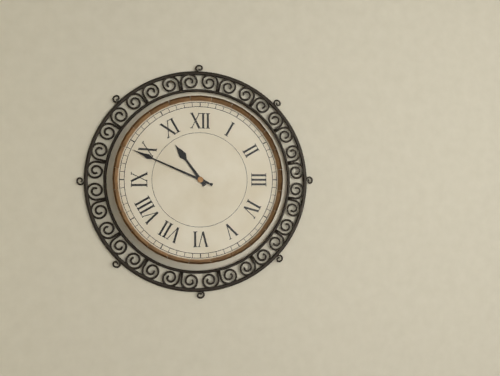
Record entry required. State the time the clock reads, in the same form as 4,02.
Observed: 10,49
